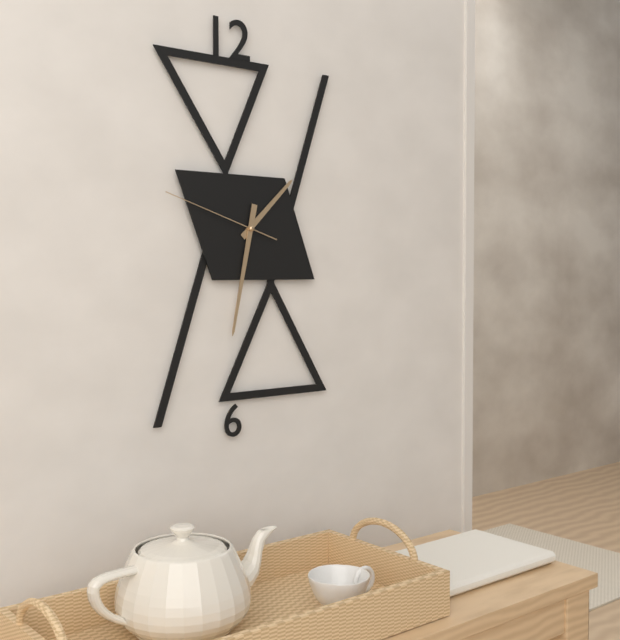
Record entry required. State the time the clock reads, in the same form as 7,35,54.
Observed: 1,32,48
